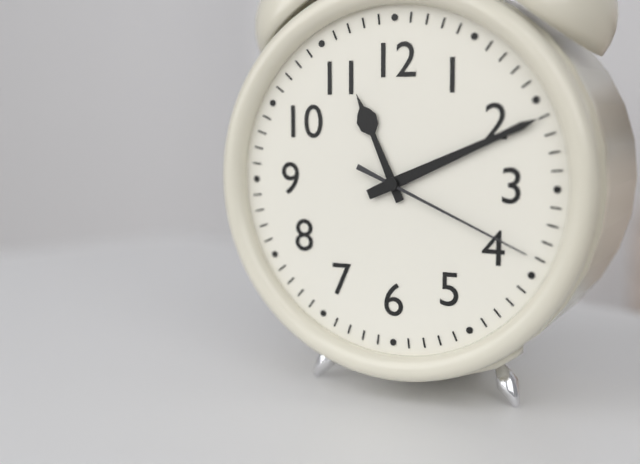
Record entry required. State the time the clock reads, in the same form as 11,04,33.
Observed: 11,11,19
